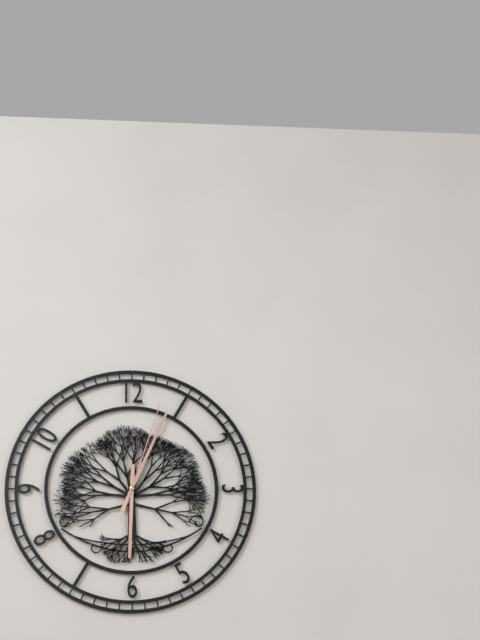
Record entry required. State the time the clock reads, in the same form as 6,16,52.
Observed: 6,04,03
